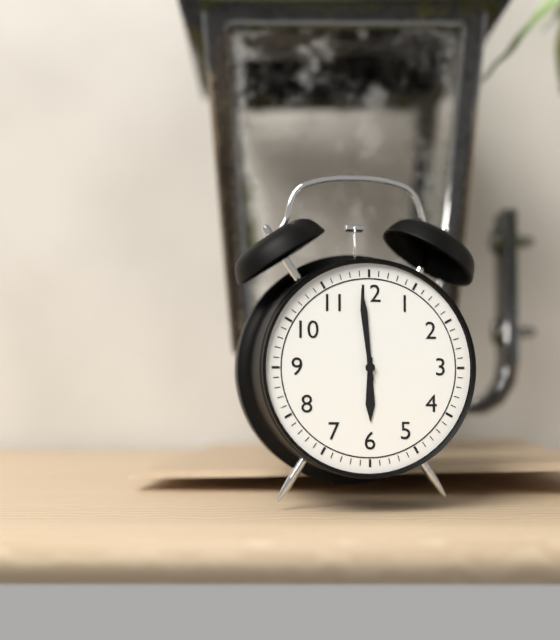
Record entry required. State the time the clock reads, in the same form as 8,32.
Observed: 5,59
